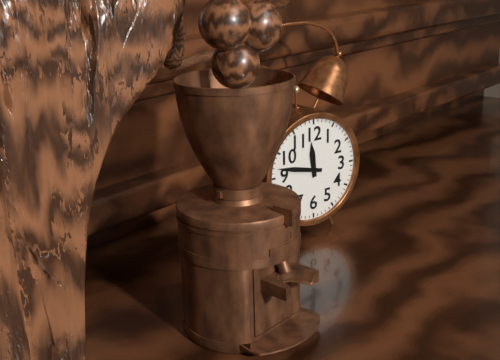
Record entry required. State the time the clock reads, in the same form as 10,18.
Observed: 11,47
